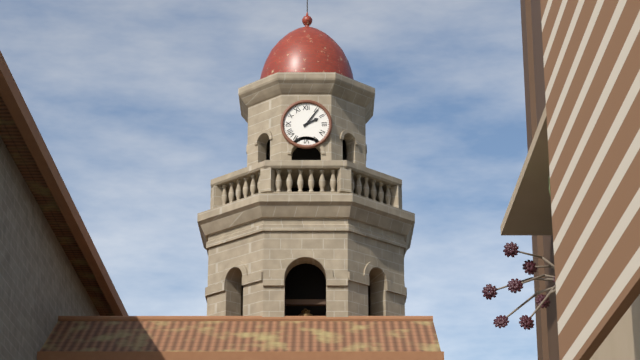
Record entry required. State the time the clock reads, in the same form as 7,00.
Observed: 2,06
